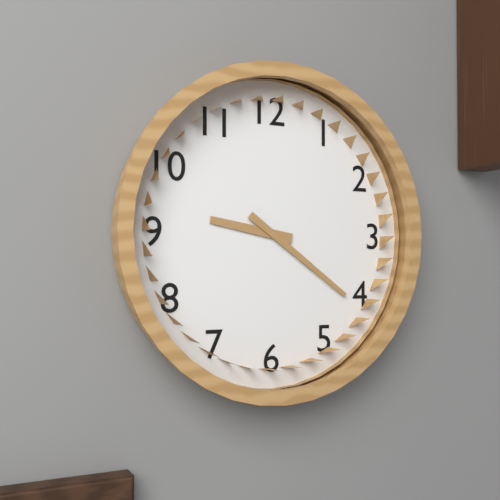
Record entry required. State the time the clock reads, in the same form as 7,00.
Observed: 9,21
